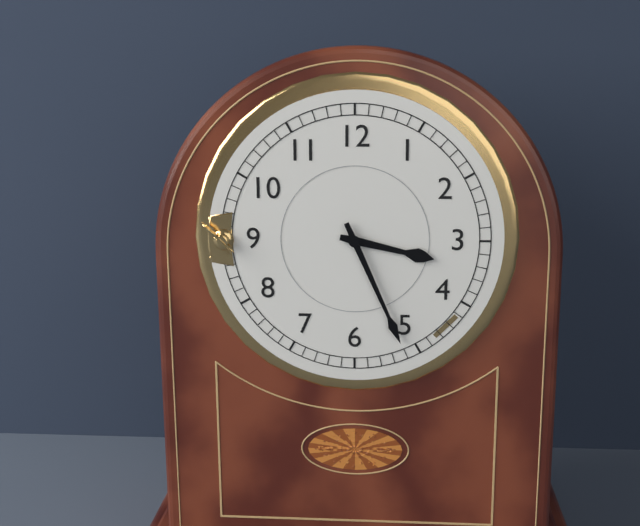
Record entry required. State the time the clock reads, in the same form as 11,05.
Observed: 3,26
